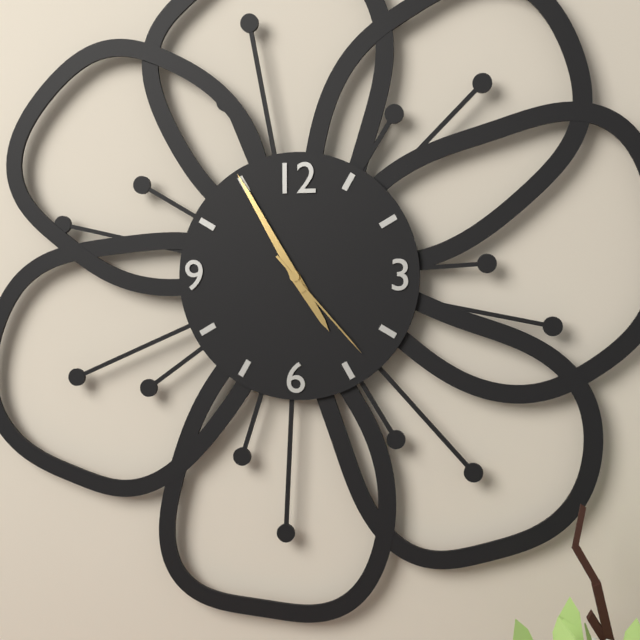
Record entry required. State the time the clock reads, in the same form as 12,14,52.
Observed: 4,55,23
